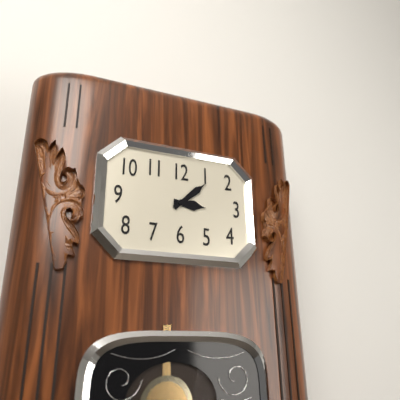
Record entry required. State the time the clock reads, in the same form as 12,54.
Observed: 3,08
